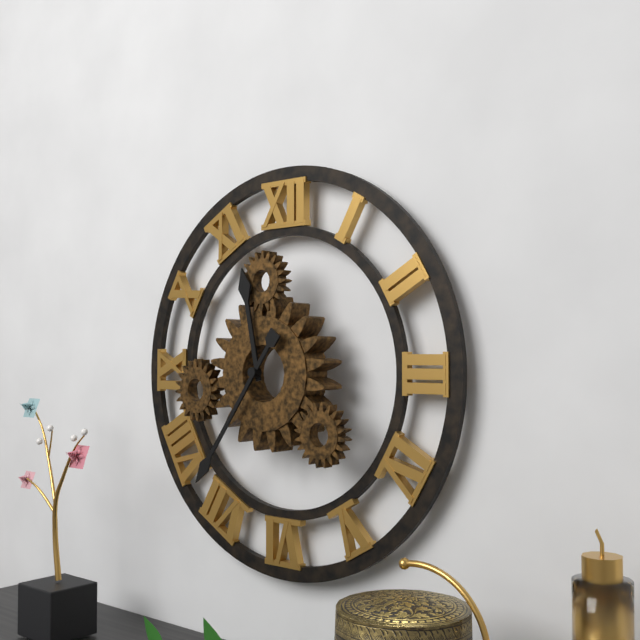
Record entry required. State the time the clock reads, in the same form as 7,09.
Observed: 11,36
